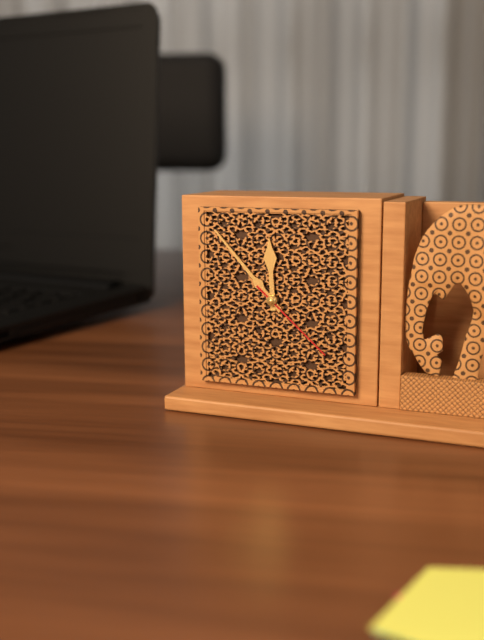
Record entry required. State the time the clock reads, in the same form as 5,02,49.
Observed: 11,53,22
